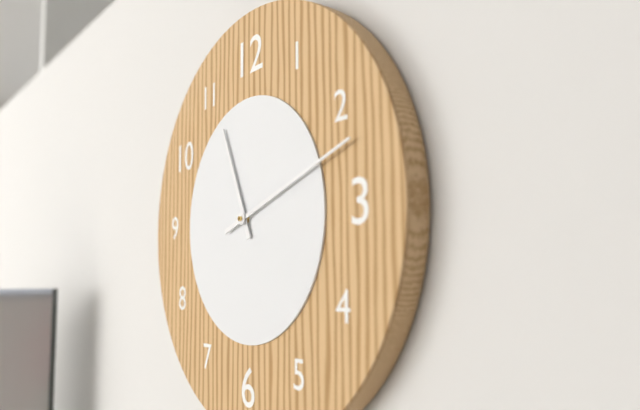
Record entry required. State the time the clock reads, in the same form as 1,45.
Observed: 11,12
